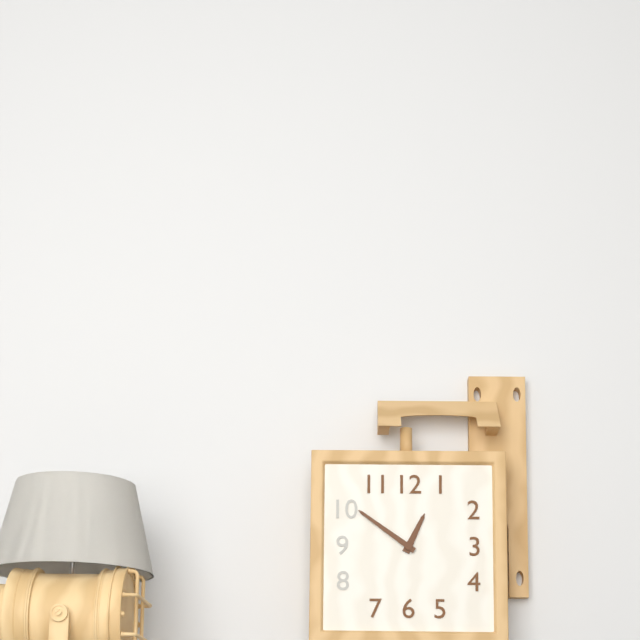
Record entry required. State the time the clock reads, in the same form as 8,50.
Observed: 12,51
